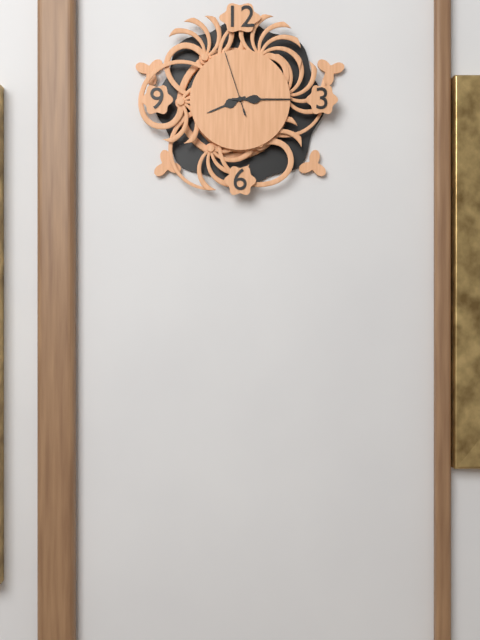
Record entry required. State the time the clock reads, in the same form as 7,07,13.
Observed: 8,15,57
